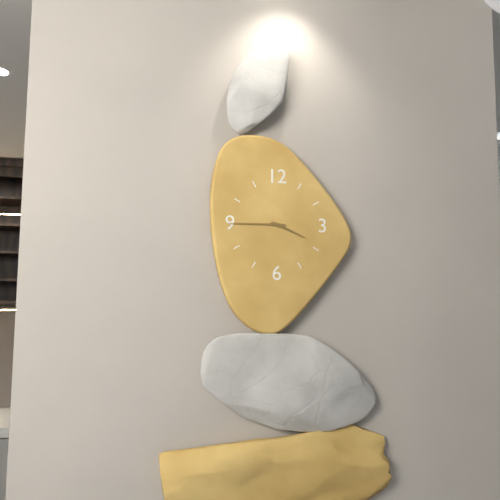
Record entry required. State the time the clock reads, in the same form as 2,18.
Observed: 3,45
